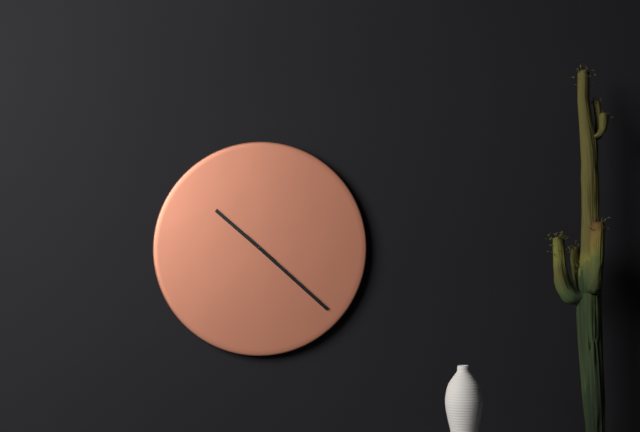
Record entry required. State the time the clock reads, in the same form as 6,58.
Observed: 10,22
